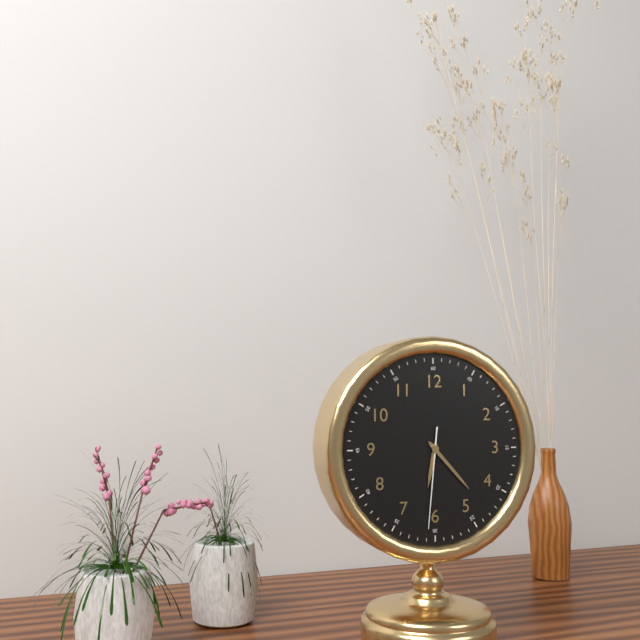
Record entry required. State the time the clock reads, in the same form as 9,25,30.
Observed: 6,23,31
